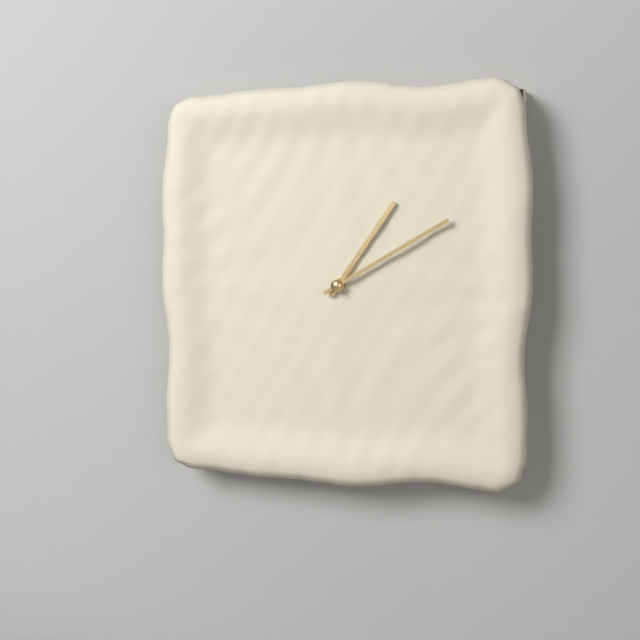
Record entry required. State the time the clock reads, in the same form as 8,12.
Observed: 1,10
